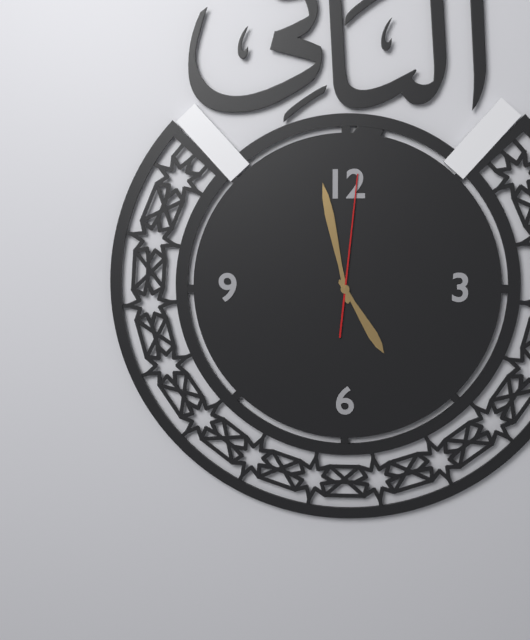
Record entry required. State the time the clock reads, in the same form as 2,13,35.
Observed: 4,58,01
